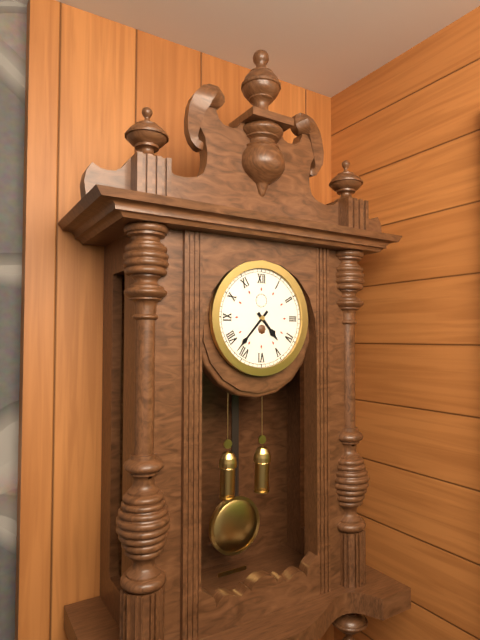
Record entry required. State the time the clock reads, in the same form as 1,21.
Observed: 4,37
